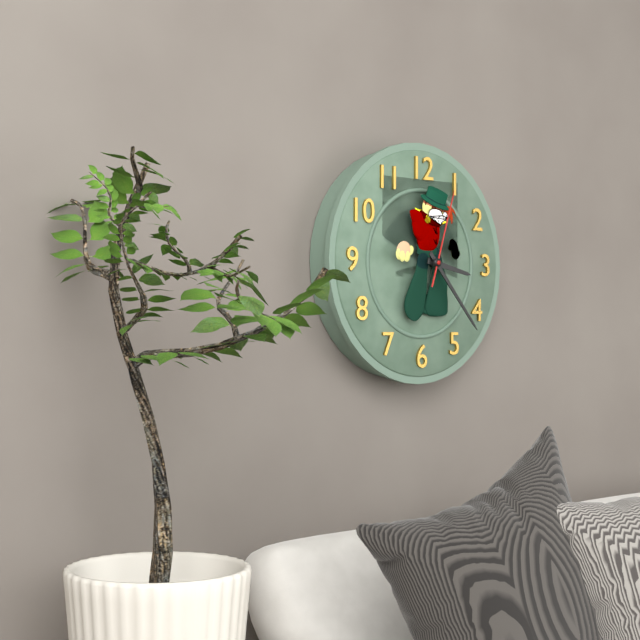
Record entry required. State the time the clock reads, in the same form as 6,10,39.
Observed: 3,23,03
